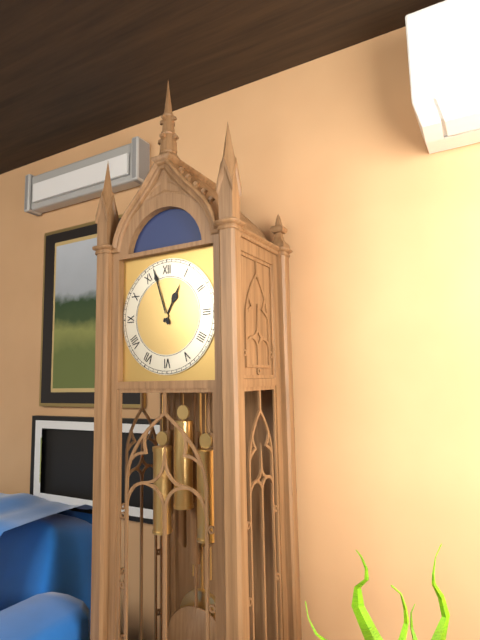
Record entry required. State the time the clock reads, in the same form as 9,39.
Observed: 12,57
